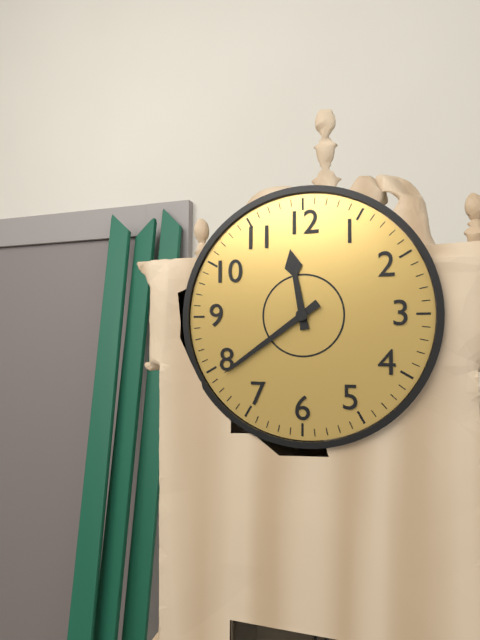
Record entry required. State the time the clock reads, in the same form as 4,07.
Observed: 11,39
